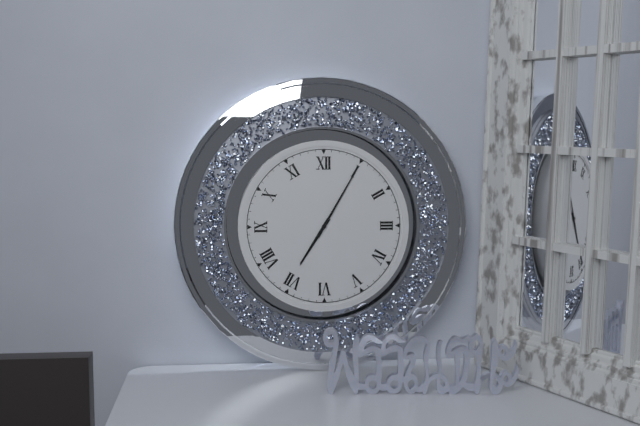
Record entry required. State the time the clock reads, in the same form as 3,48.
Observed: 7,05
